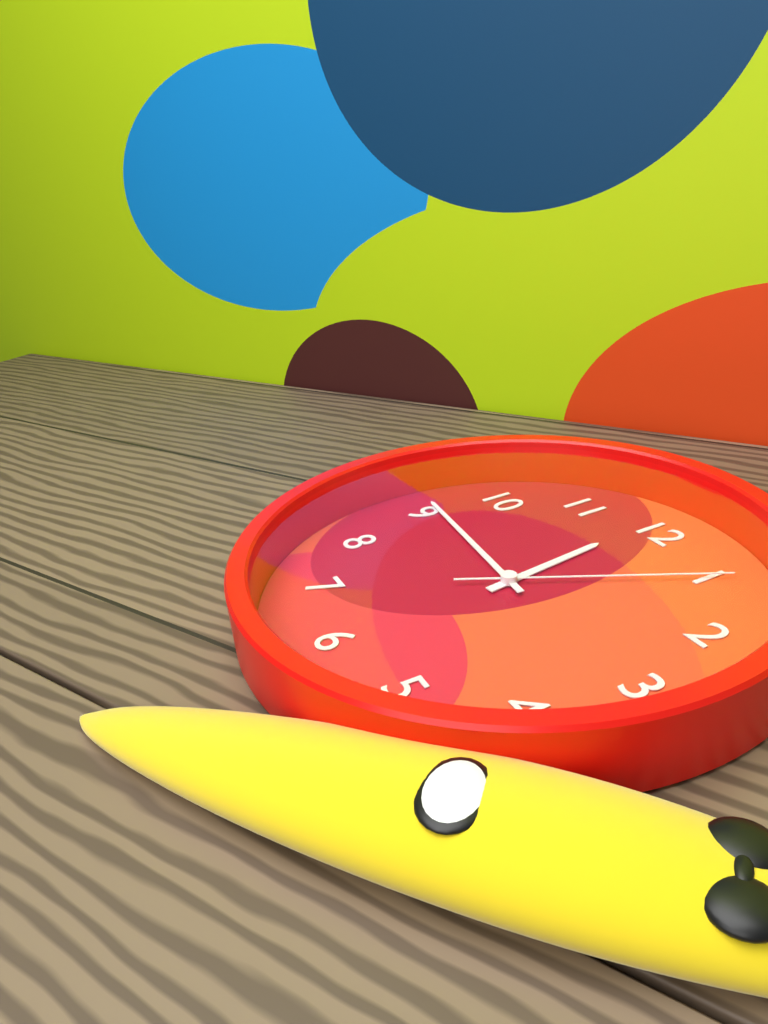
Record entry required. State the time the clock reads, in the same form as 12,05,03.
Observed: 11,46,05
